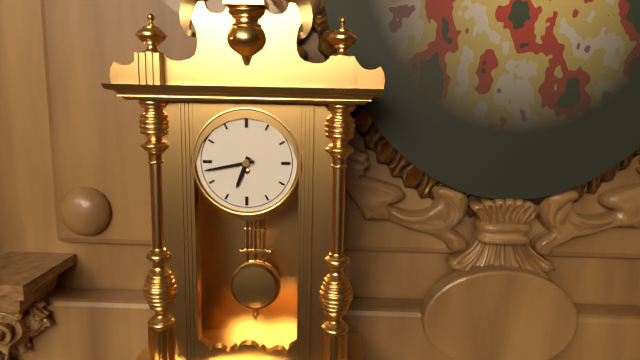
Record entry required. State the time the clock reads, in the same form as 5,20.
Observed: 6,43
